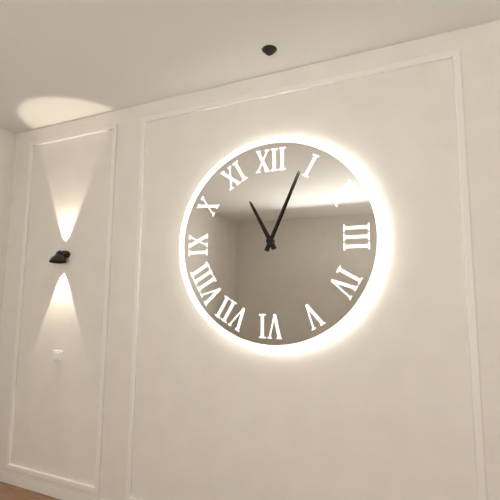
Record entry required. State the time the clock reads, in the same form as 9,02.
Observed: 11,04
